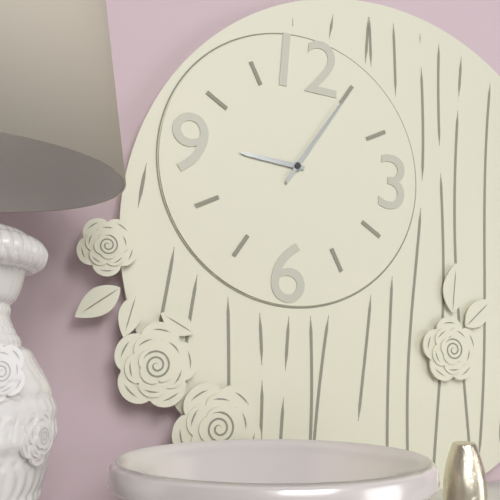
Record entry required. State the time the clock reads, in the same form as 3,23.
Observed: 9,05
